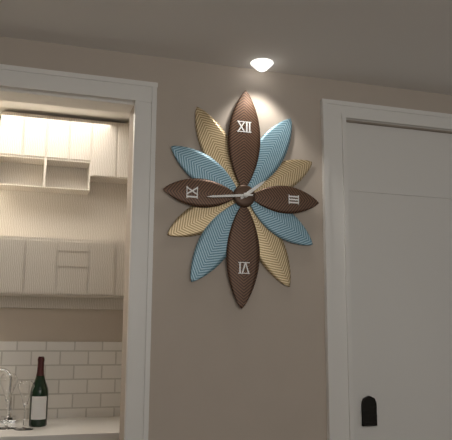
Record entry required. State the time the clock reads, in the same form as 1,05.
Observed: 1,44
